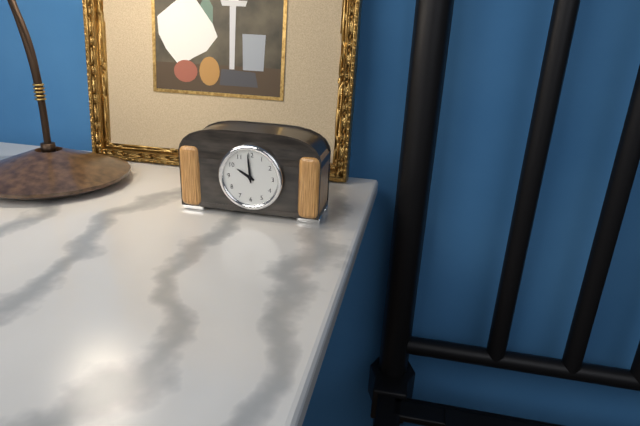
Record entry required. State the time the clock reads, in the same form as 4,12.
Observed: 9,59
